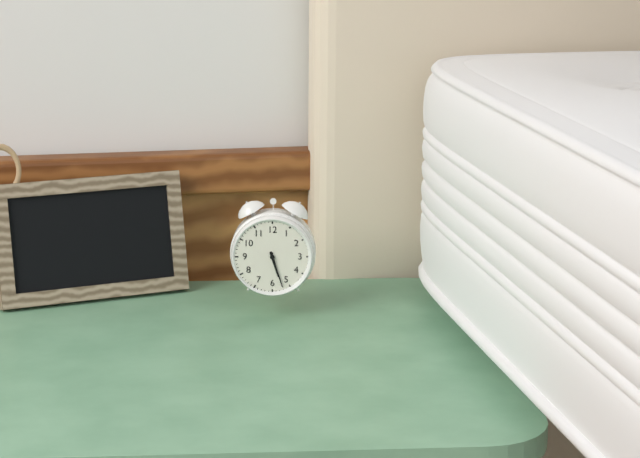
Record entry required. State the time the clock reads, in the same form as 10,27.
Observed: 5,27
